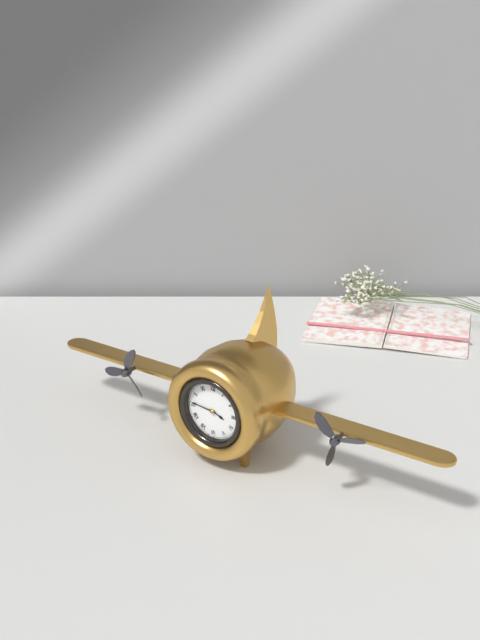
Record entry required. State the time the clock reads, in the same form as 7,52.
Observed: 3,46
